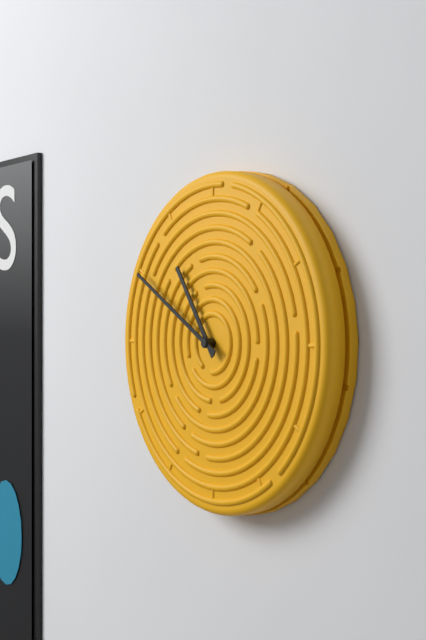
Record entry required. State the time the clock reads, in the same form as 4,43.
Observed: 10,50
